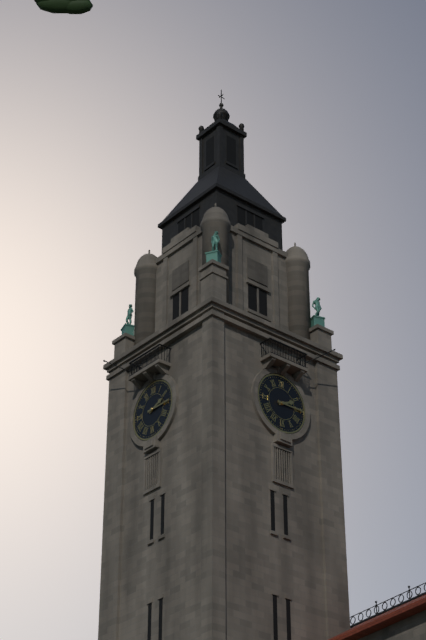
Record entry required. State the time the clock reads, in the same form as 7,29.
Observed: 2,15
